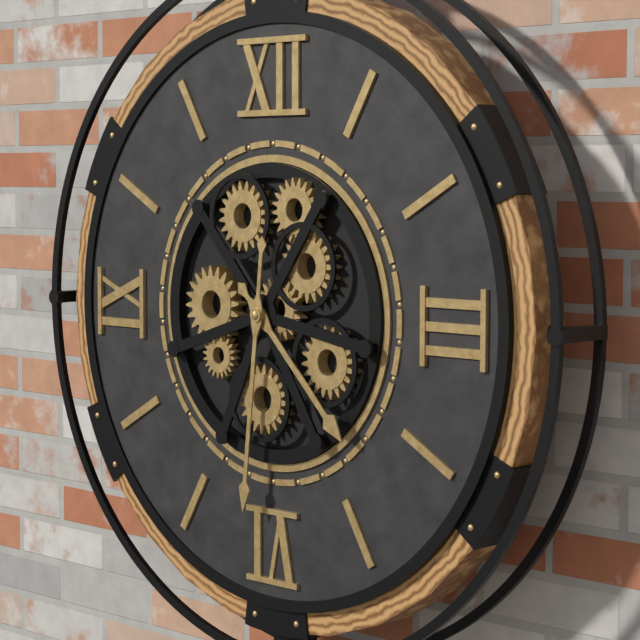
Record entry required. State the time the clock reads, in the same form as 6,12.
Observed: 4,31
